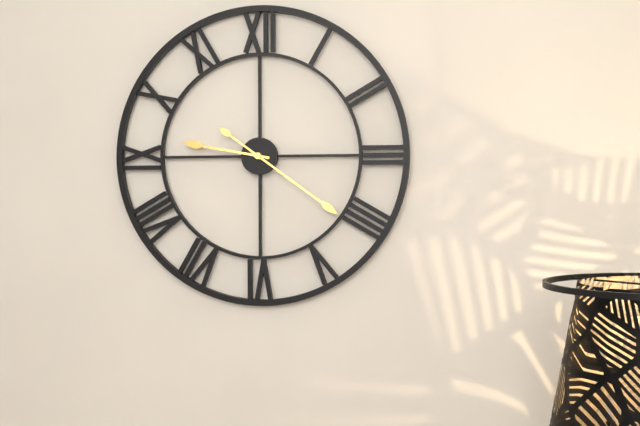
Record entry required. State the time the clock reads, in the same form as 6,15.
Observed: 9,21
